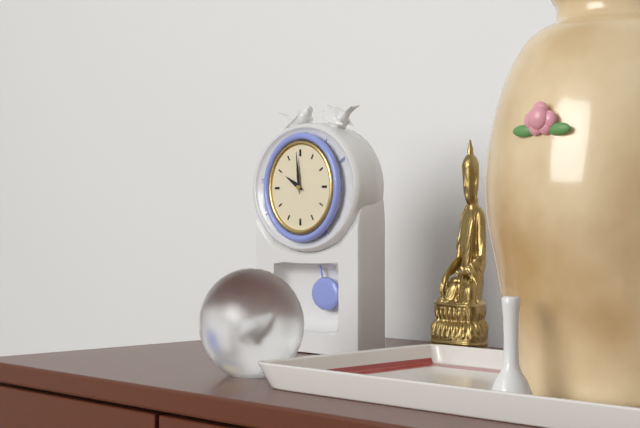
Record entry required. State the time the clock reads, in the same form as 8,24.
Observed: 9,59
